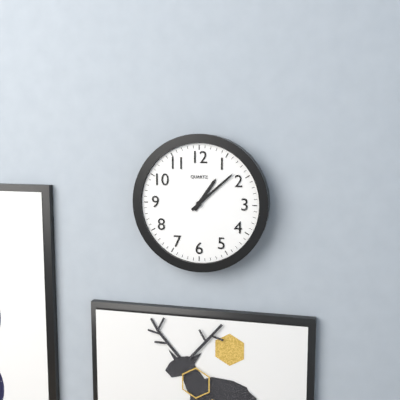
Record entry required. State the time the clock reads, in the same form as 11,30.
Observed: 1,08
